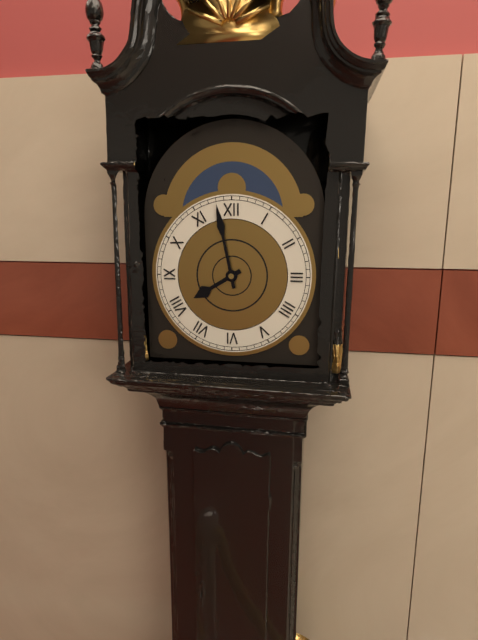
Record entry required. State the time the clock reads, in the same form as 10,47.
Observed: 7,58
